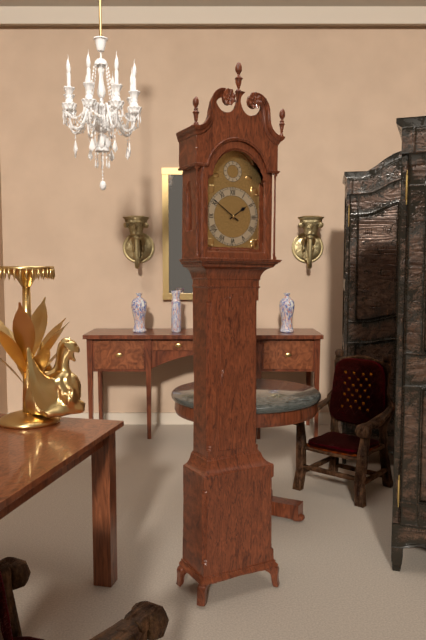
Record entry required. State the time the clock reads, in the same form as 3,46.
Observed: 1,51
